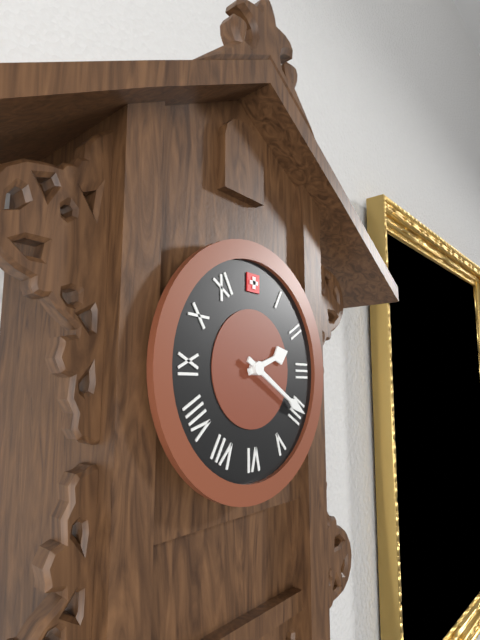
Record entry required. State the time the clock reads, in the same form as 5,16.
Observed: 2,20
